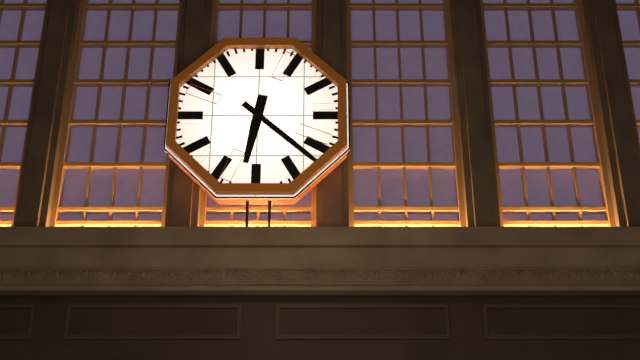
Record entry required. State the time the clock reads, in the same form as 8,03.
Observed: 6,22
